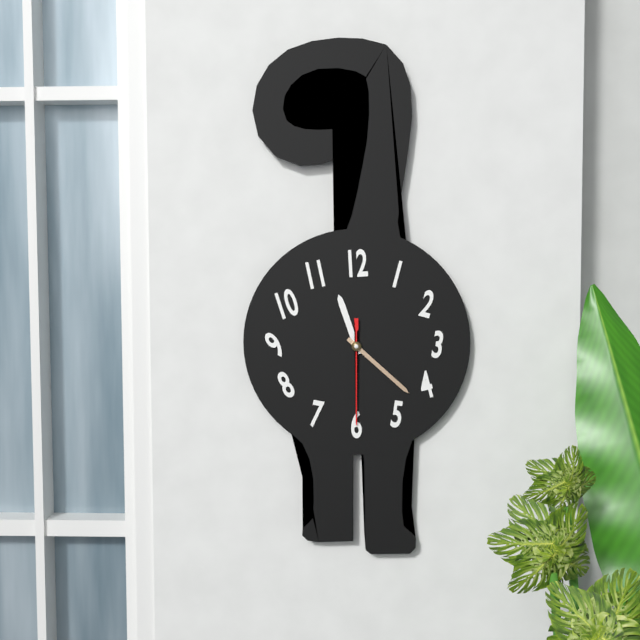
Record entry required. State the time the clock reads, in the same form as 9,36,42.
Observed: 11,22,30
